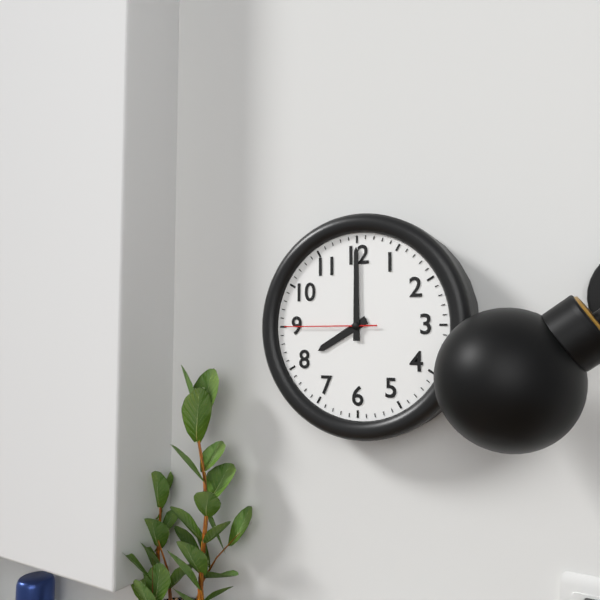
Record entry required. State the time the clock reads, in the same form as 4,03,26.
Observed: 8,00,45
